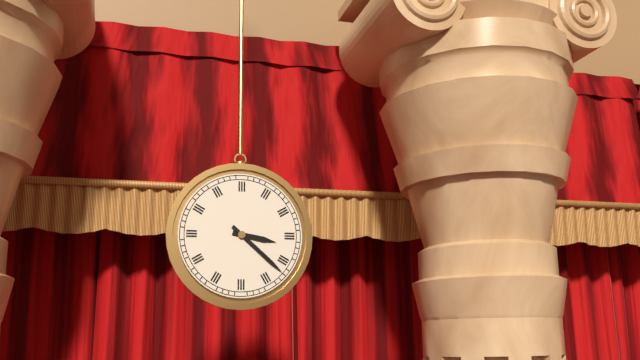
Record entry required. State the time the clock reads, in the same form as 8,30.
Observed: 3,22
